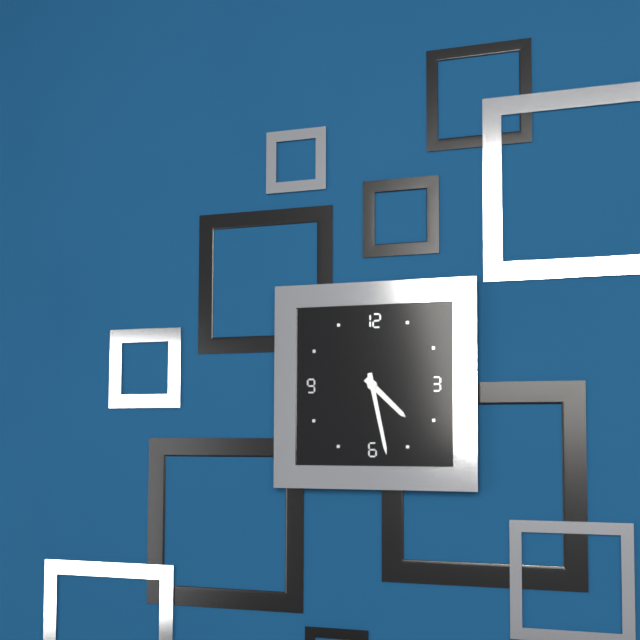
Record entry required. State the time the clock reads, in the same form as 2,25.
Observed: 4,28
